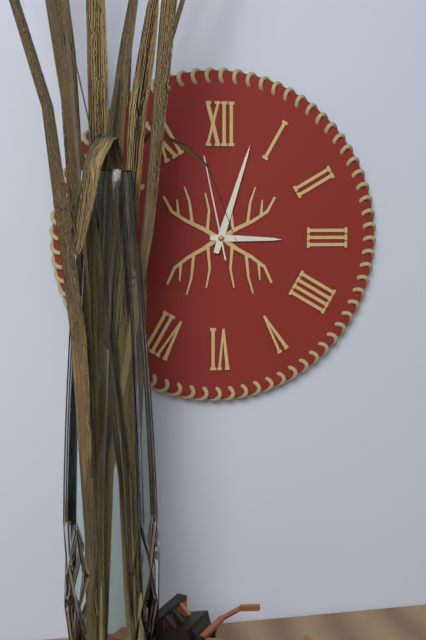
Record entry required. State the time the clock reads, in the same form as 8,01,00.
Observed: 3,03,58
